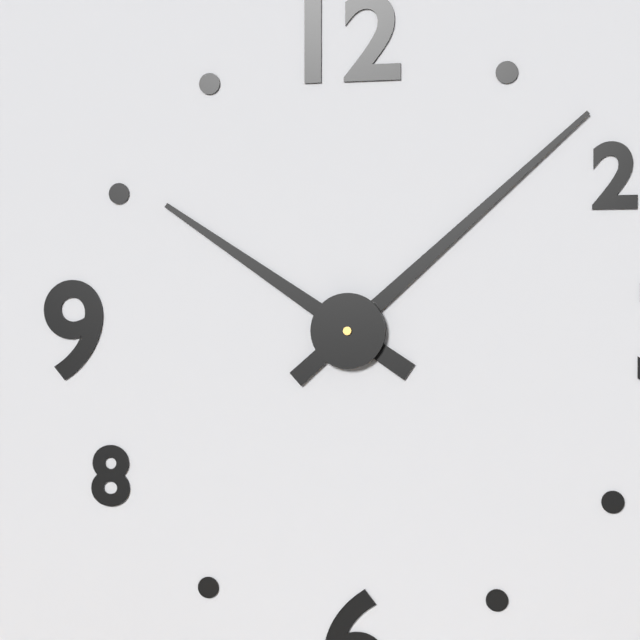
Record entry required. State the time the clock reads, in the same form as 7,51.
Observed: 10,08
